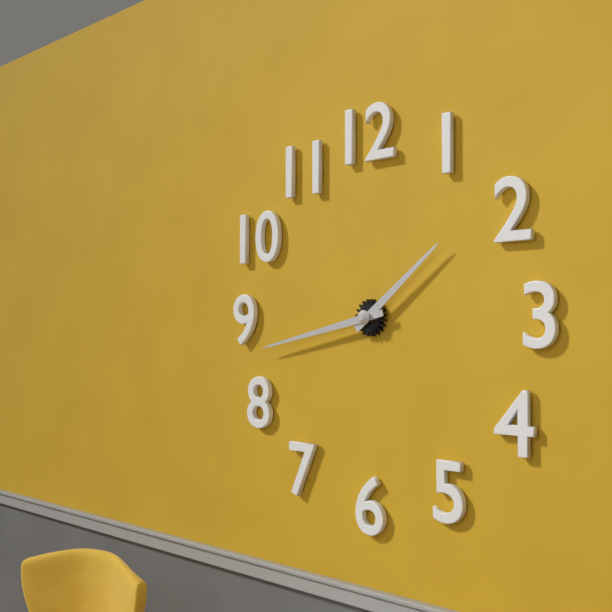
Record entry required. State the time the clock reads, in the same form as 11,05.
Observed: 1,43
